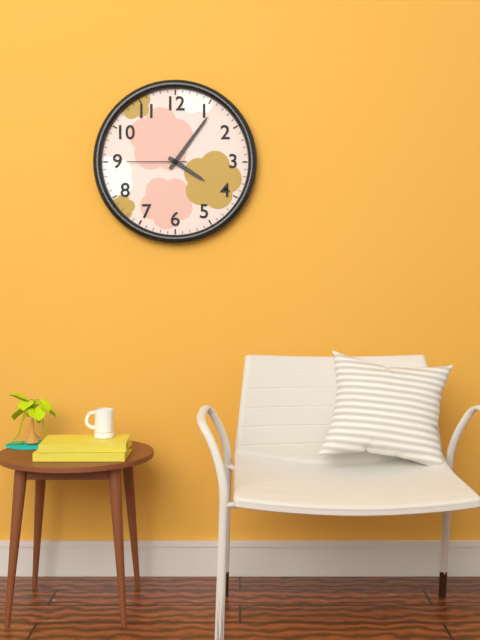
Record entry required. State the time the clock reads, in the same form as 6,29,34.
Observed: 4,06,45
